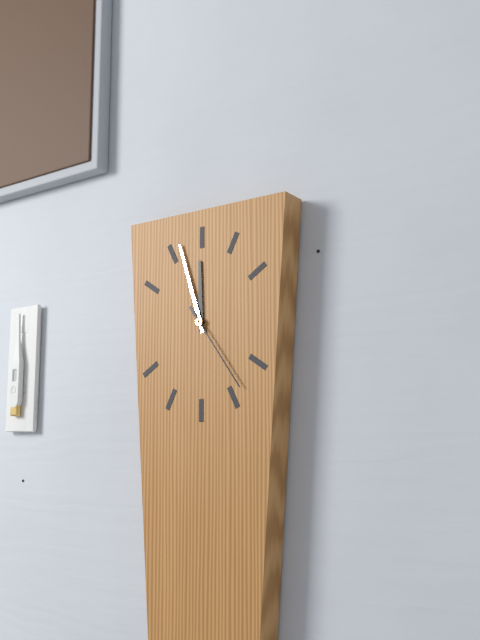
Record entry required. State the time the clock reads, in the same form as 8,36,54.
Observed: 11,57,24
